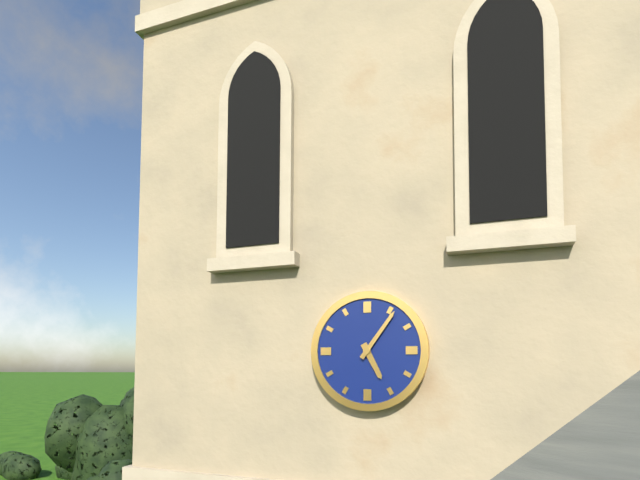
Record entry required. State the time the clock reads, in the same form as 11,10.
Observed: 5,06
